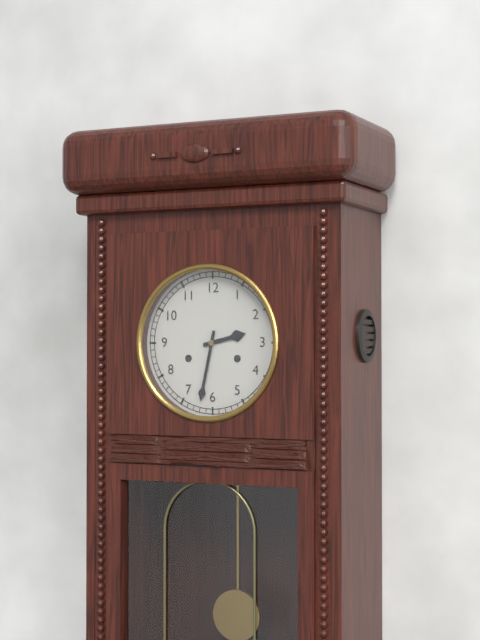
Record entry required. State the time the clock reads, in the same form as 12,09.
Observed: 2,32
